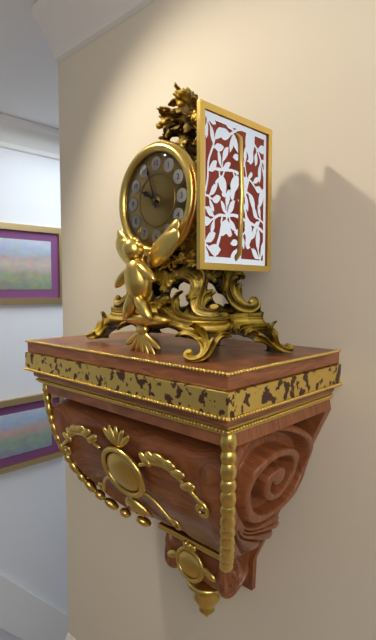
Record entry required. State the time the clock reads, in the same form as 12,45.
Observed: 9,57
